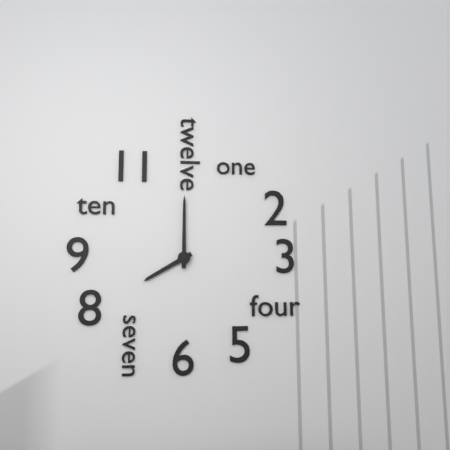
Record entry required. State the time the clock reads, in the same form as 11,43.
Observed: 8,00
